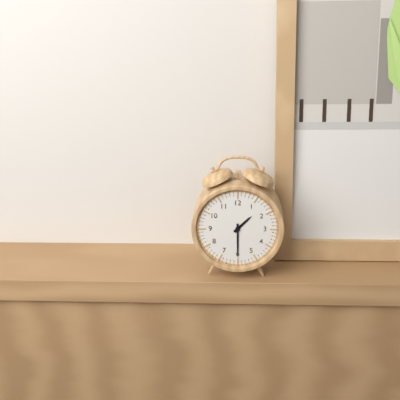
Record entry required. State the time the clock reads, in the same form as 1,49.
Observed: 1,30
